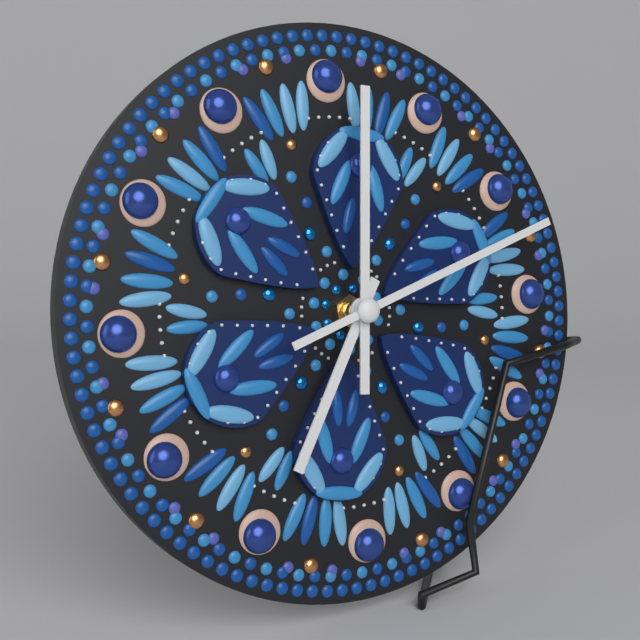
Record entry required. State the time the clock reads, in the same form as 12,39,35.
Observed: 7,01,12
